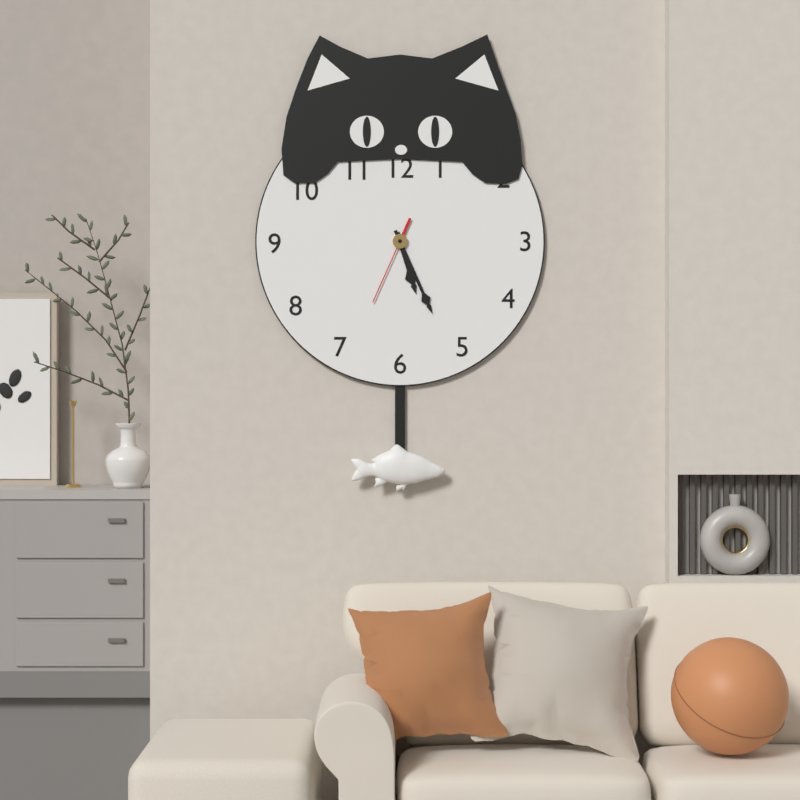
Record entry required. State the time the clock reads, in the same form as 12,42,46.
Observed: 5,26,34
